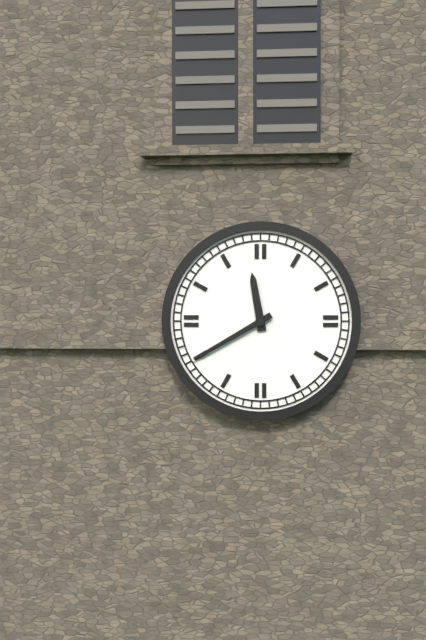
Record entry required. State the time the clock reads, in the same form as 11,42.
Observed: 11,40
